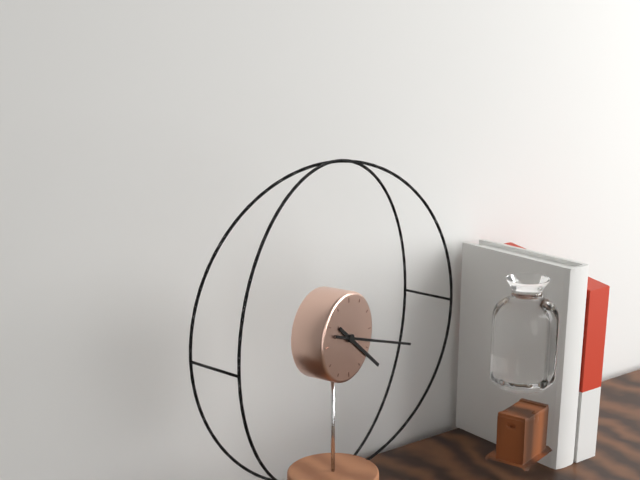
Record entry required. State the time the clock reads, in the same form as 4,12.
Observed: 4,18
